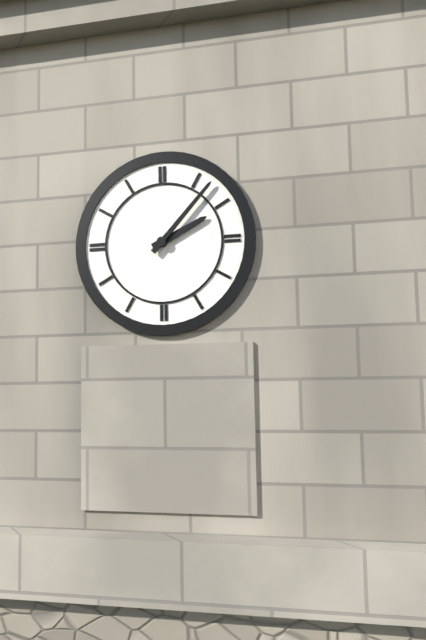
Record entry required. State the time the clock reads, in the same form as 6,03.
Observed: 2,07
